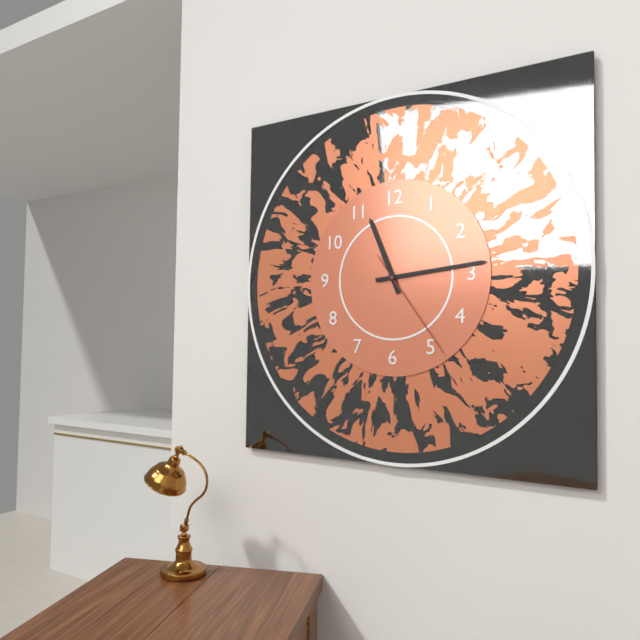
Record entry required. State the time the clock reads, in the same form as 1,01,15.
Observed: 11,14,24
